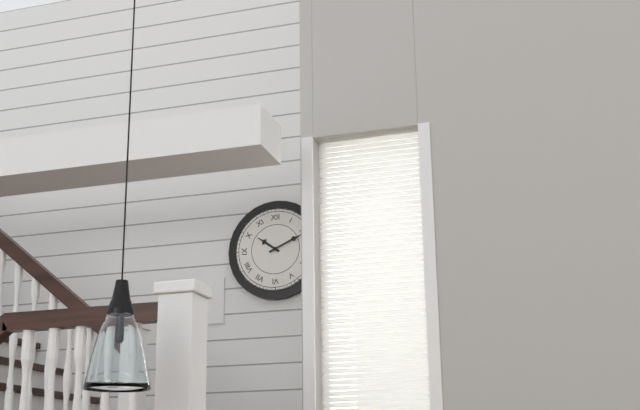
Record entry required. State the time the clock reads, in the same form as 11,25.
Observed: 10,11
